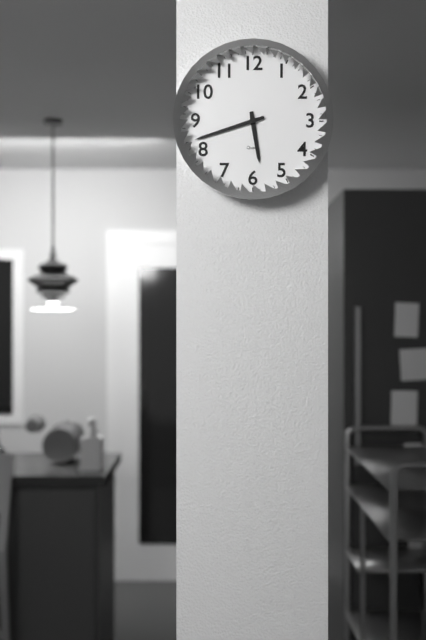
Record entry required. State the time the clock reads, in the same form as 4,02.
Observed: 5,42
